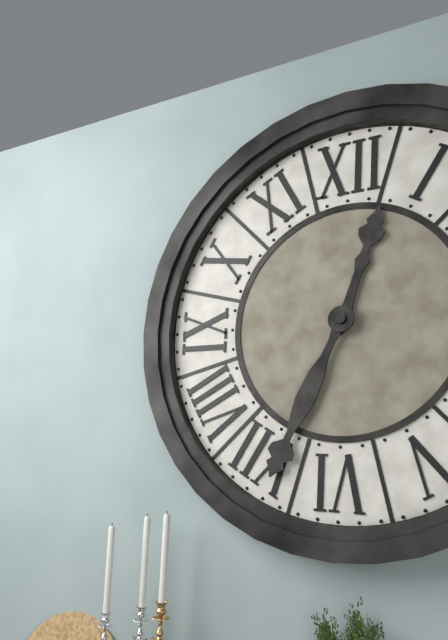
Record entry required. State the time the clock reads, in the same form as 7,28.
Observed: 12,34
